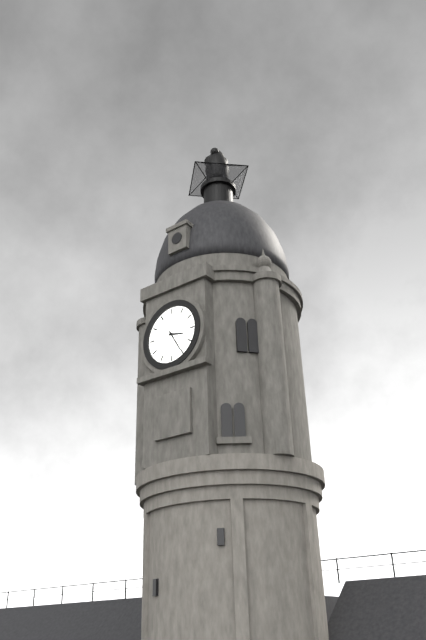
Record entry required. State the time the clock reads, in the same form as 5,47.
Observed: 3,25
